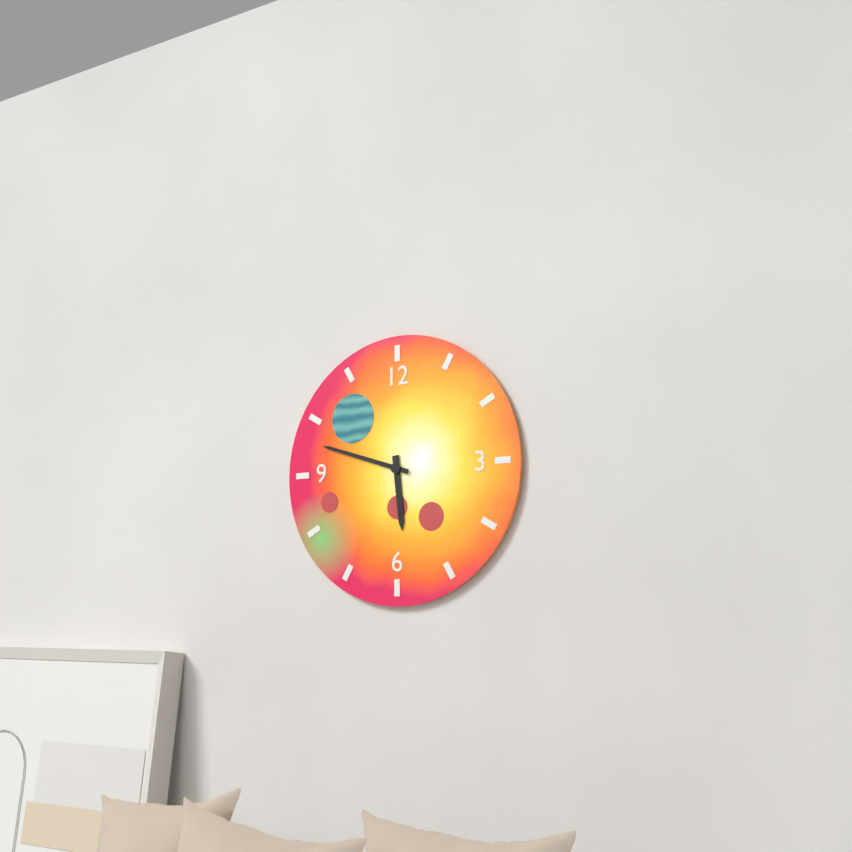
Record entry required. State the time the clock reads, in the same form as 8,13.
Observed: 5,48
